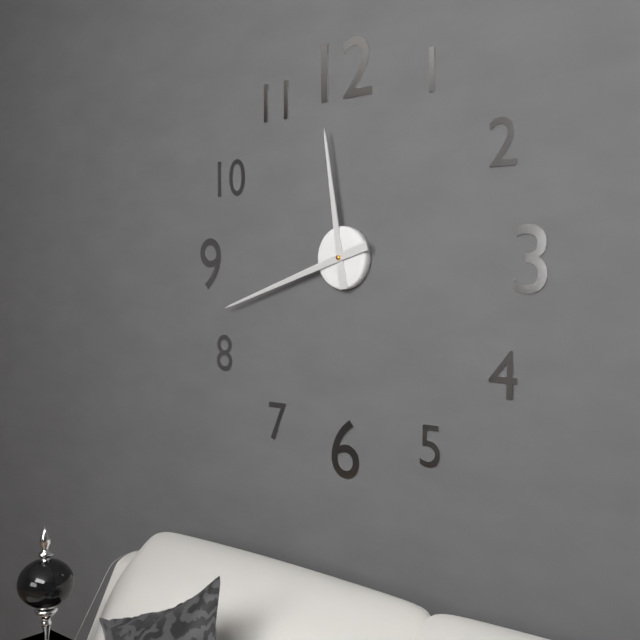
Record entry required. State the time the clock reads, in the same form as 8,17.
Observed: 11,42
